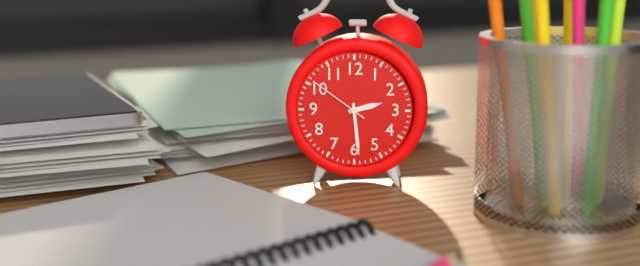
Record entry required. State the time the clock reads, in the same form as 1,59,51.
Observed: 2,29,51
